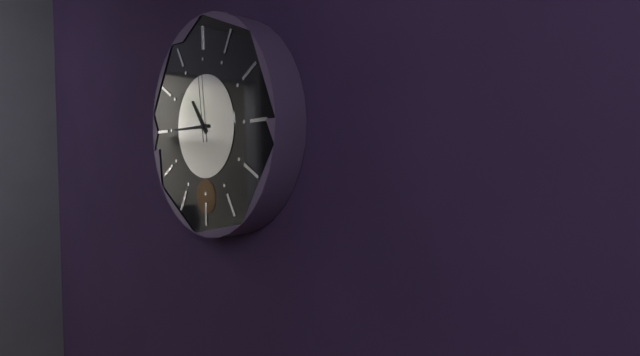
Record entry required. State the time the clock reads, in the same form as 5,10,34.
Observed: 10,45,59
